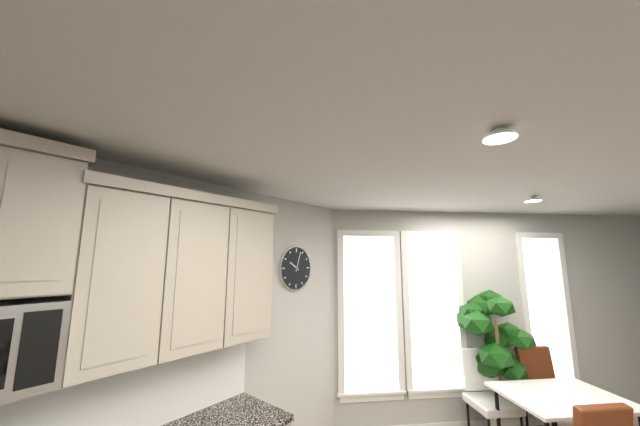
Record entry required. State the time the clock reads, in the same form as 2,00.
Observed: 10,03
